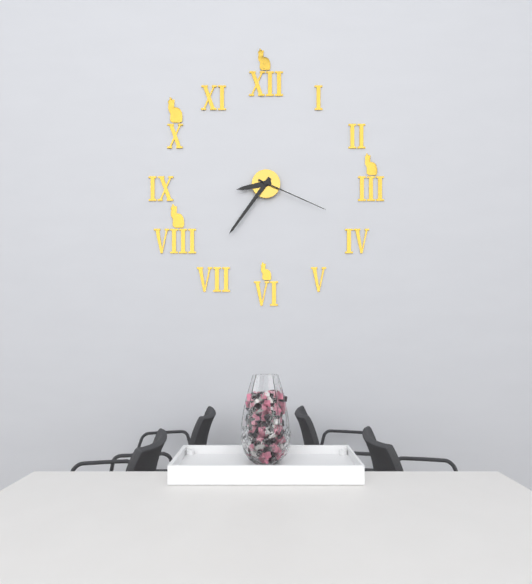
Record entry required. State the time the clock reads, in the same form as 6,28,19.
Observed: 8,36,19
